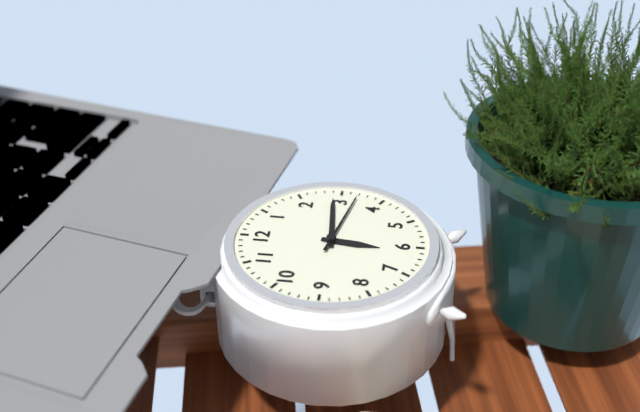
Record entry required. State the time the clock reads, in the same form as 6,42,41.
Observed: 6,14,17
